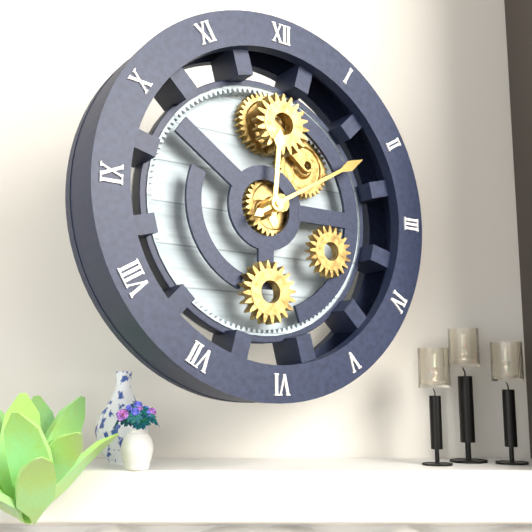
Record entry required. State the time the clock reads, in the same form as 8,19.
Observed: 12,10
